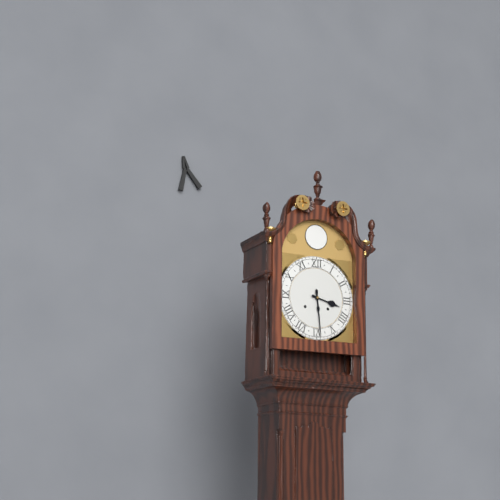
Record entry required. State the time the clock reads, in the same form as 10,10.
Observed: 3,29
